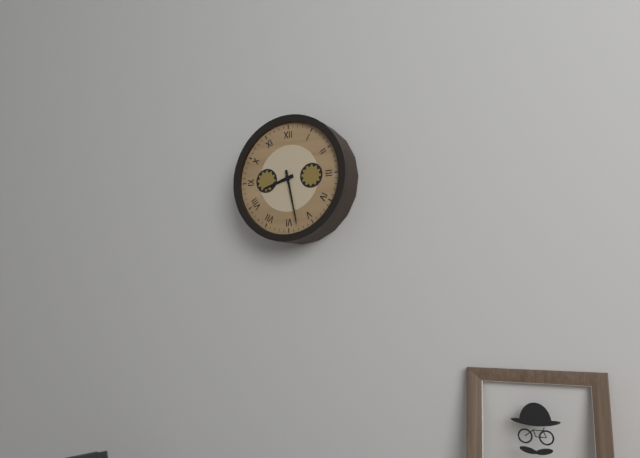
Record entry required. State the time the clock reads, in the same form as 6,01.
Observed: 8,28
